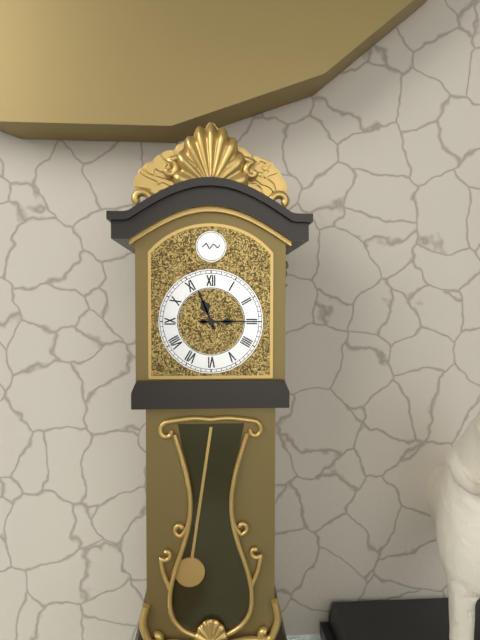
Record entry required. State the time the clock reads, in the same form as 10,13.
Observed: 11,15
